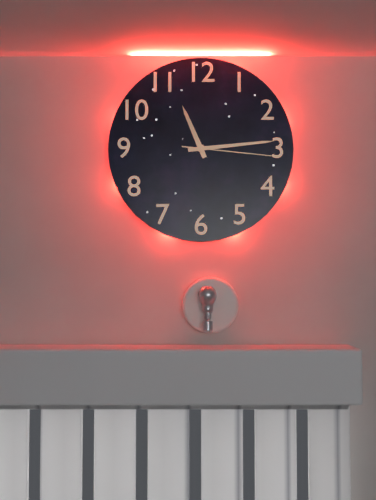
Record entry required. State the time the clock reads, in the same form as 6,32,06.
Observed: 11,14,16
